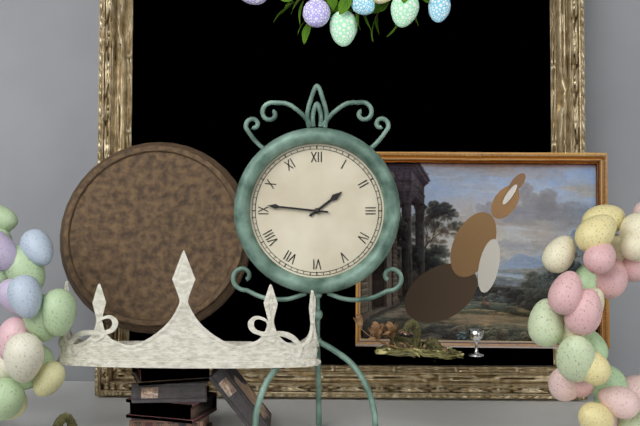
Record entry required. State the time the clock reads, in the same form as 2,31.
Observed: 1,46
